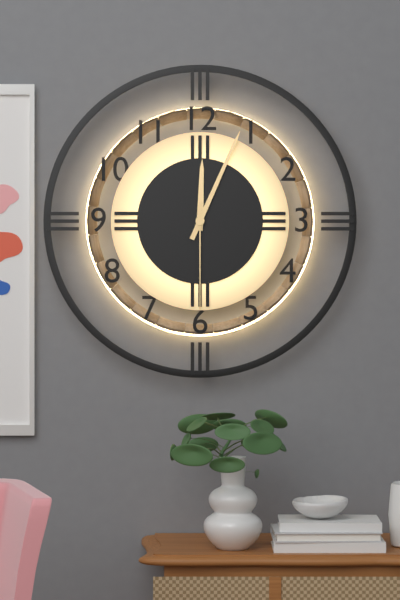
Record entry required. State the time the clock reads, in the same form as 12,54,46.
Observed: 12,04,30
